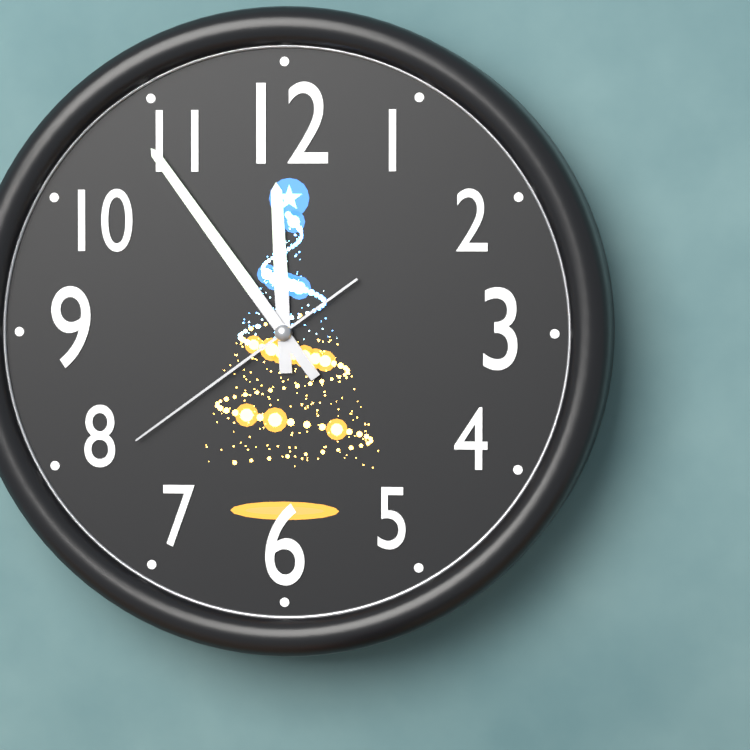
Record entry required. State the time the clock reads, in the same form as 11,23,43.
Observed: 11,54,39
